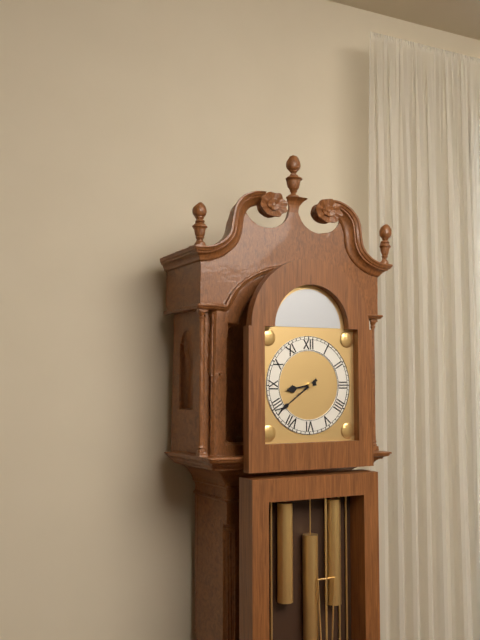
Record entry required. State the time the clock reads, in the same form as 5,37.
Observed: 8,39
